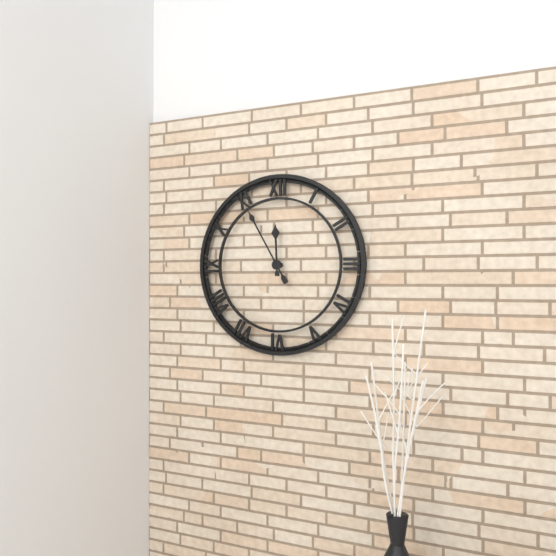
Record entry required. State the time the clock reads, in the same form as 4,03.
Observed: 11,55
